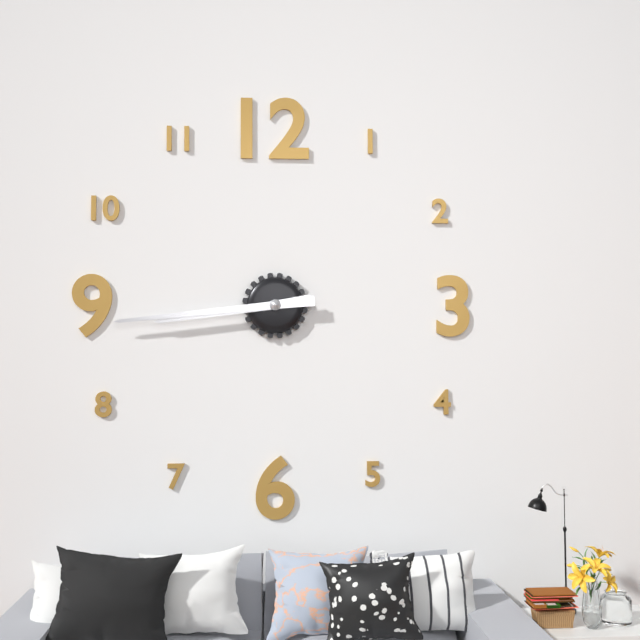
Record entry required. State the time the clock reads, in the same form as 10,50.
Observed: 8,44
